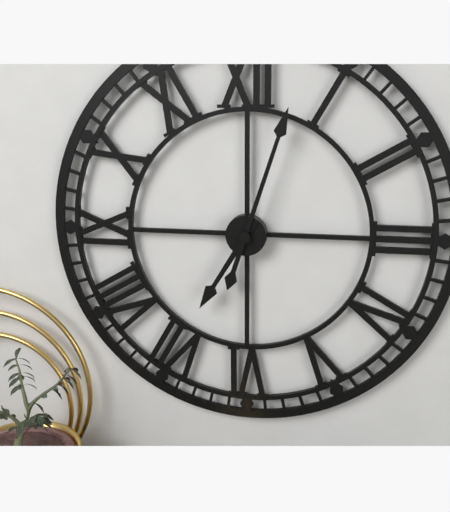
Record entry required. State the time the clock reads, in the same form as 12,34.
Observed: 7,03
